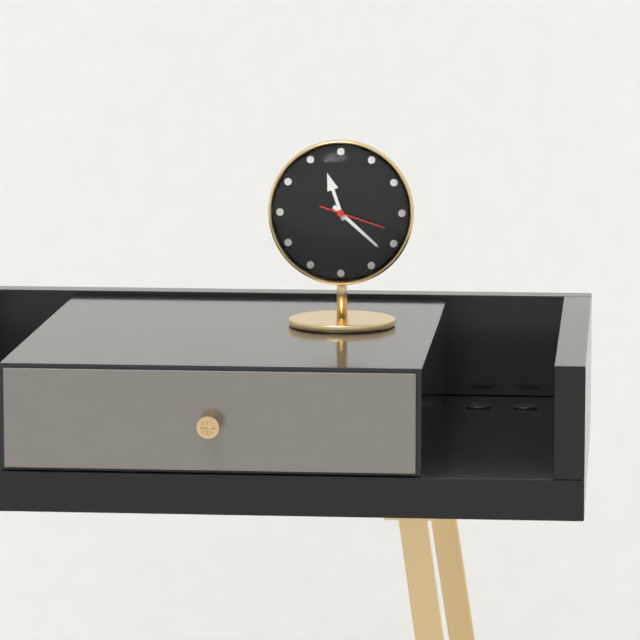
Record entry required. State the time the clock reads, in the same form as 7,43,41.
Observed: 11,22,18
